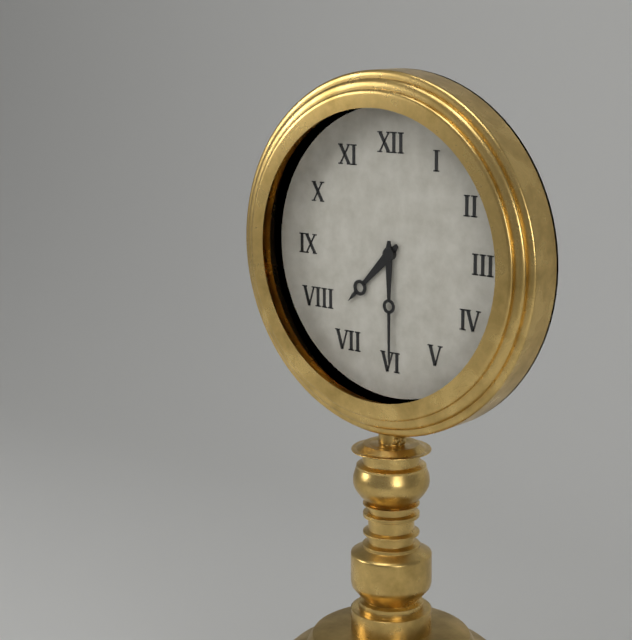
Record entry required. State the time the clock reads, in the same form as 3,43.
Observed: 7,30
